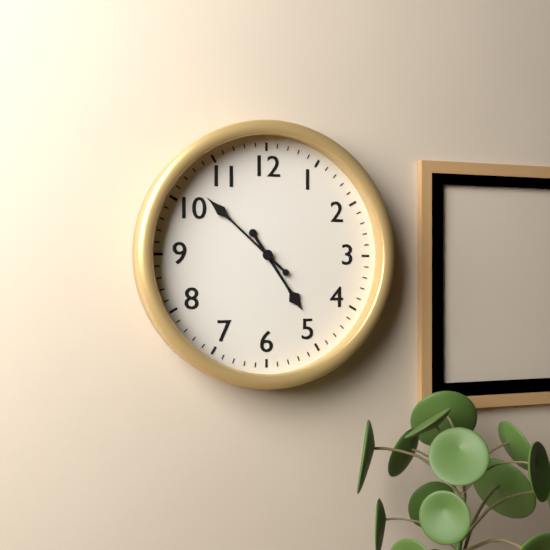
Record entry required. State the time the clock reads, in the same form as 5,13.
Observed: 4,52
